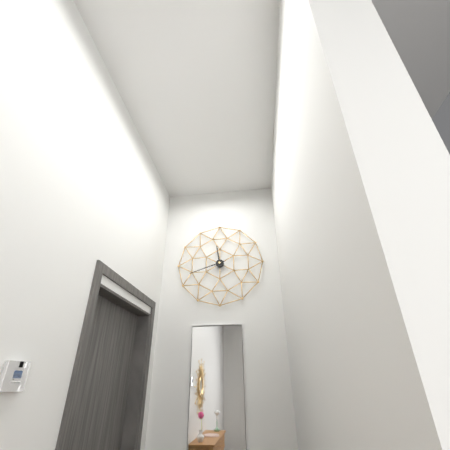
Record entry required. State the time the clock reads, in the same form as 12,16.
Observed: 11,42
